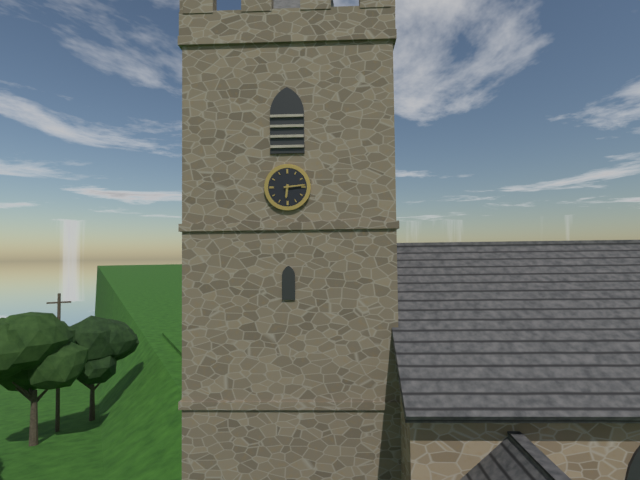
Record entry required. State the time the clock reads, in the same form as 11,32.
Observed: 6,14
